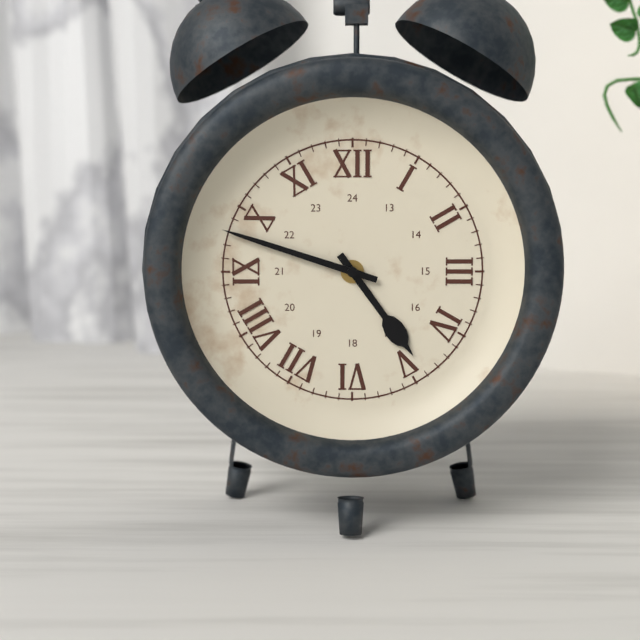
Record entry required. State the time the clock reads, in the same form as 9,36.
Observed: 4,48
